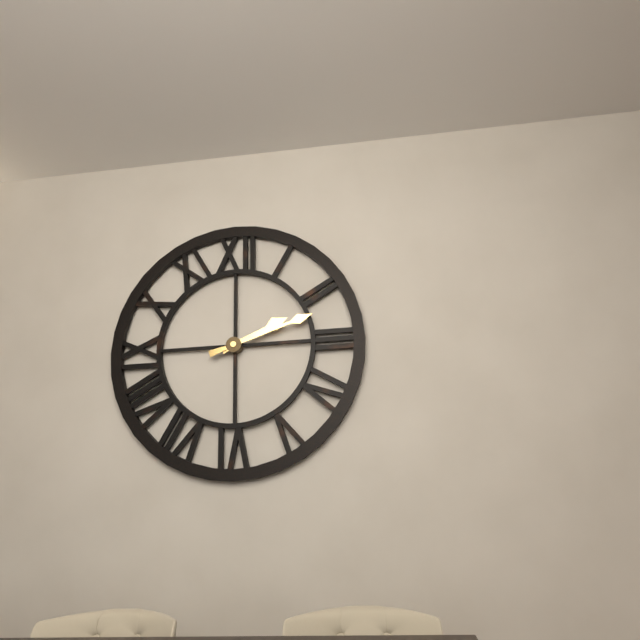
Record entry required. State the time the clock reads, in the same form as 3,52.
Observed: 2,12
